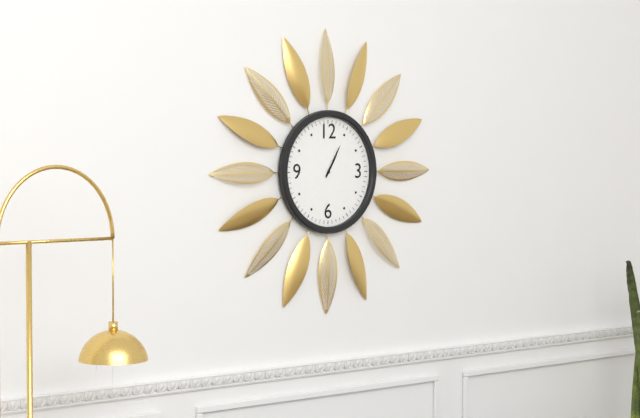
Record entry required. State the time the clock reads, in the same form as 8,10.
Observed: 1,05
